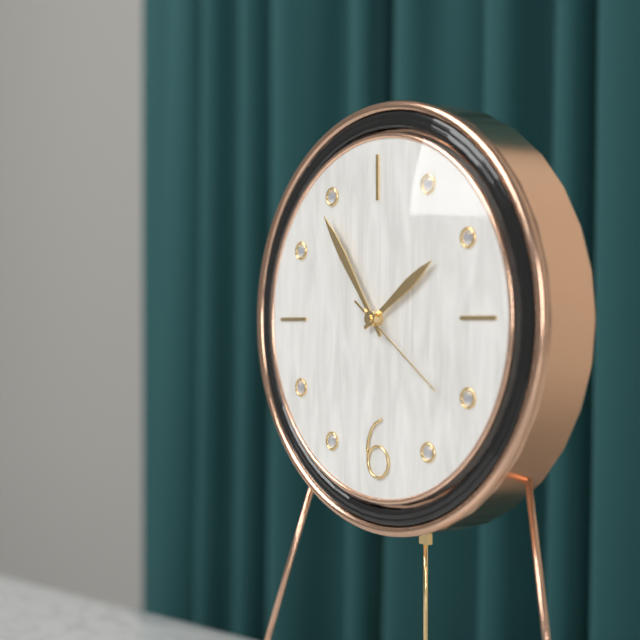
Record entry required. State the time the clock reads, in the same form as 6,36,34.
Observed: 1,54,21
